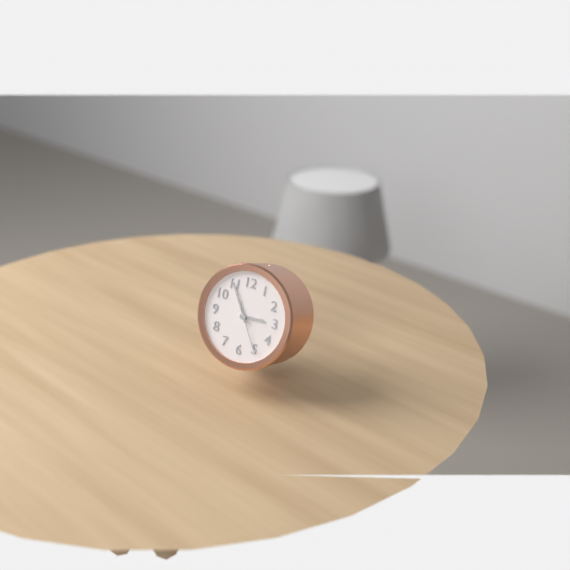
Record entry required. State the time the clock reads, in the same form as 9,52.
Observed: 2,55
